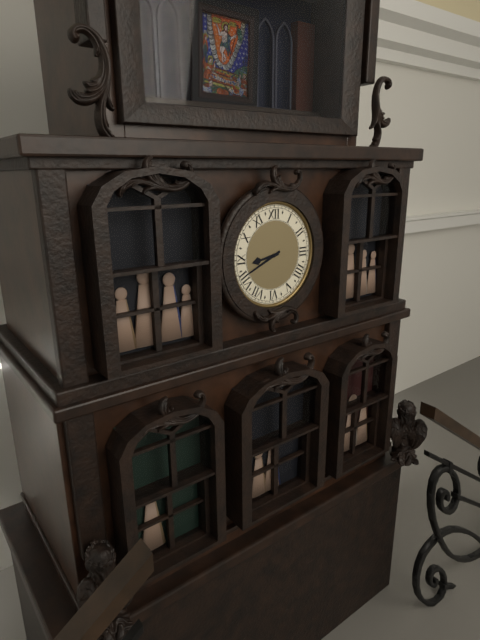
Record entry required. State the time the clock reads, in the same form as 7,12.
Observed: 8,41
